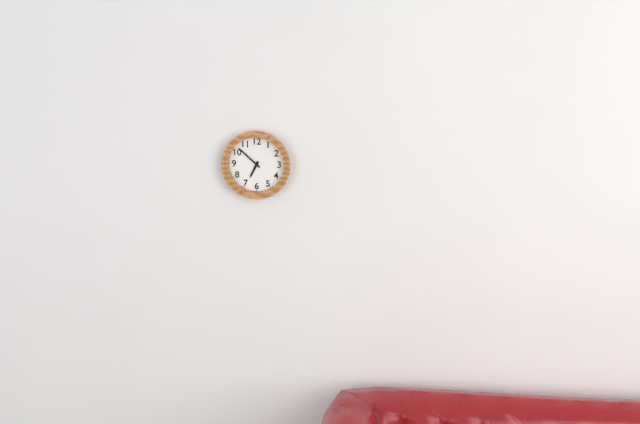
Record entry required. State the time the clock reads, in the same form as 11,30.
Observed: 6,52
